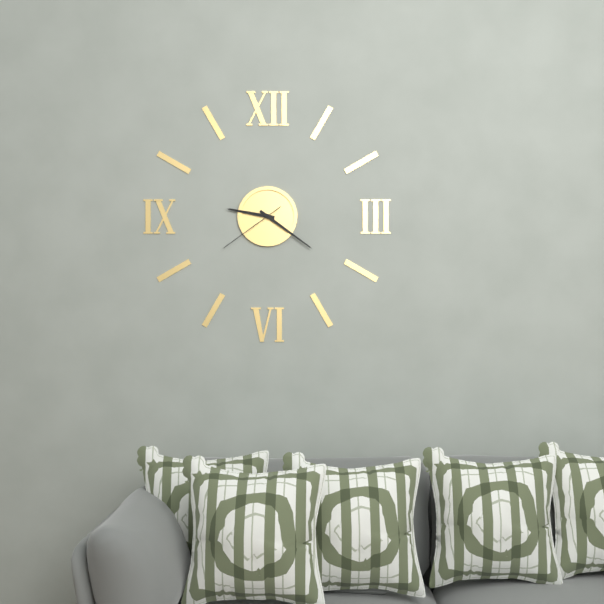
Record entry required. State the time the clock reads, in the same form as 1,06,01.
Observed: 9,21,39
